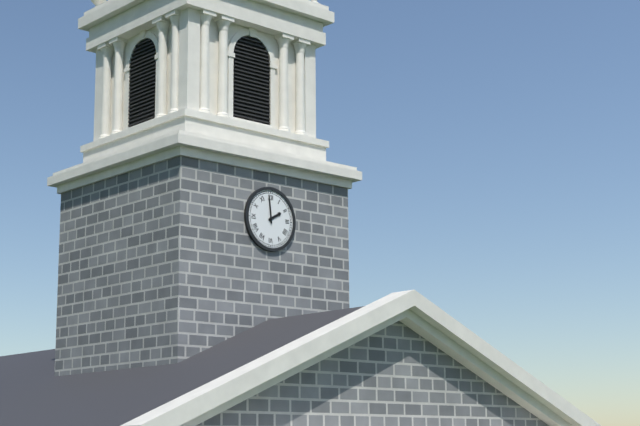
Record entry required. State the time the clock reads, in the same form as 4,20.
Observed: 1,59
